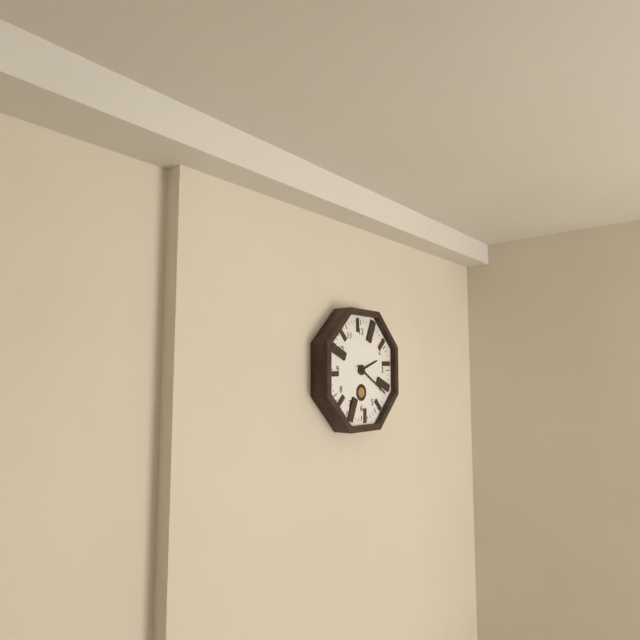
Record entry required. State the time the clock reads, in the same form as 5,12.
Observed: 2,20
